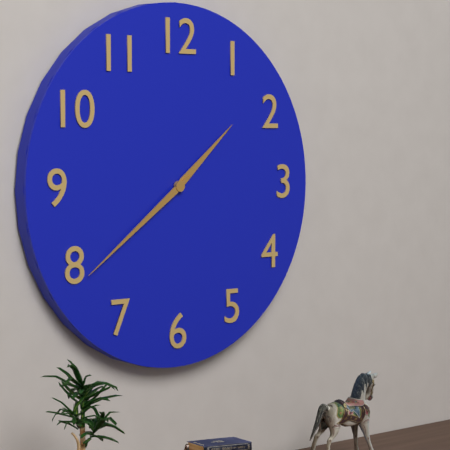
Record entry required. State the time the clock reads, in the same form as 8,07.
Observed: 1,39
